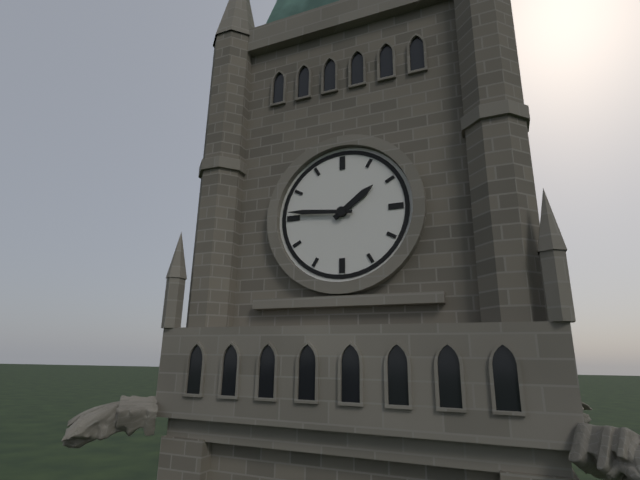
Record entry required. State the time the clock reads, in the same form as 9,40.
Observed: 1,46
